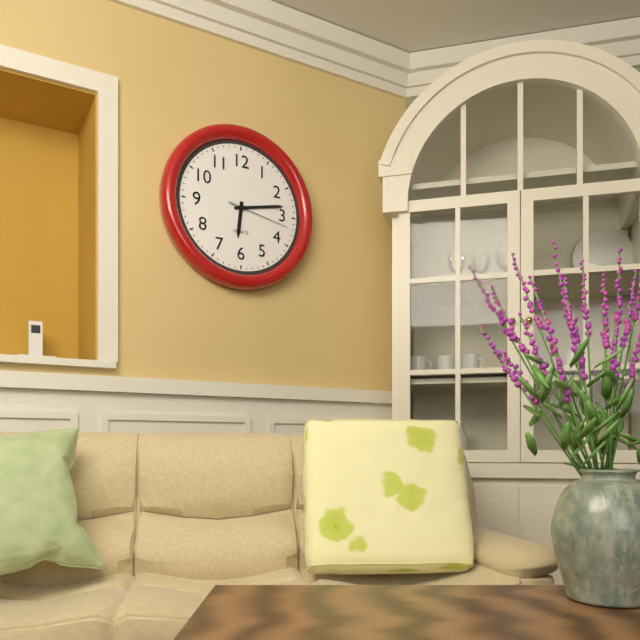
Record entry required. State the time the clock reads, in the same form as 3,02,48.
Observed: 6,13,17
